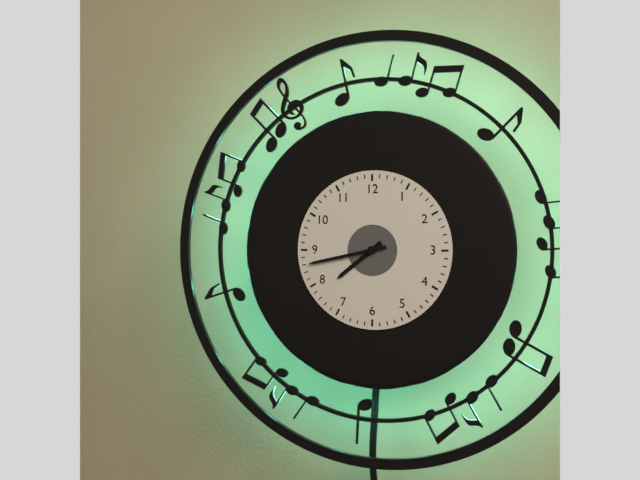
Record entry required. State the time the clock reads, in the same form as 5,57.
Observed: 7,43
